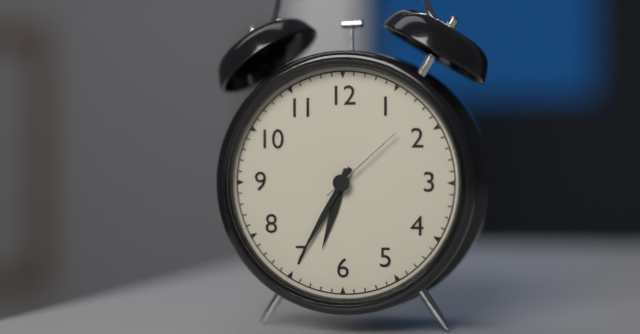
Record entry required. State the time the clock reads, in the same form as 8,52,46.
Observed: 6,35,08
